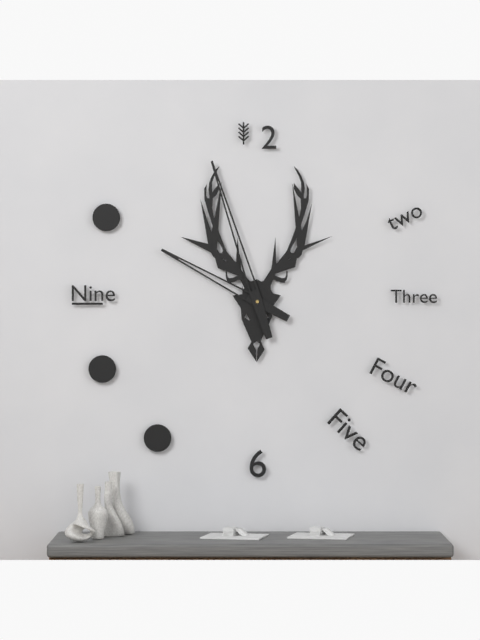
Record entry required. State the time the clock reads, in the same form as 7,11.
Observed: 9,57
